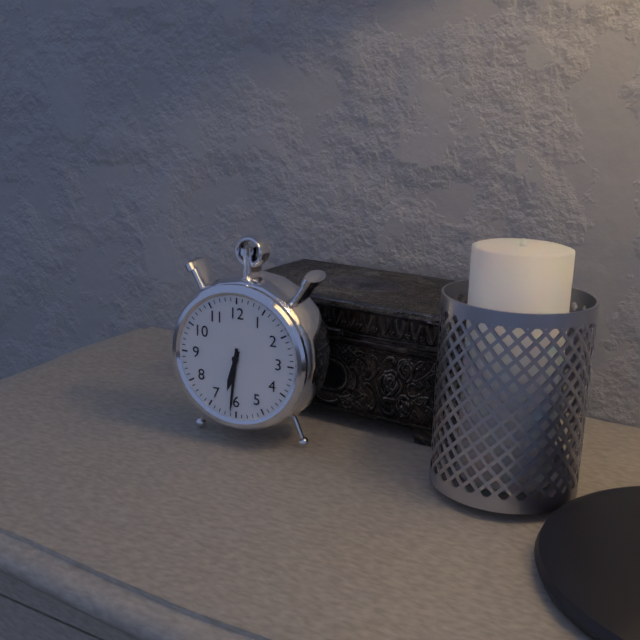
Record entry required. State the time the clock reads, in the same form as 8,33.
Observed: 6,31
